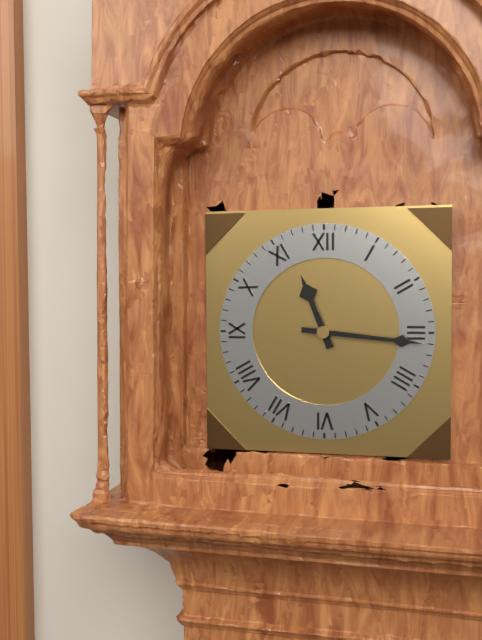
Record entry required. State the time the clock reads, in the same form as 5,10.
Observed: 11,16
